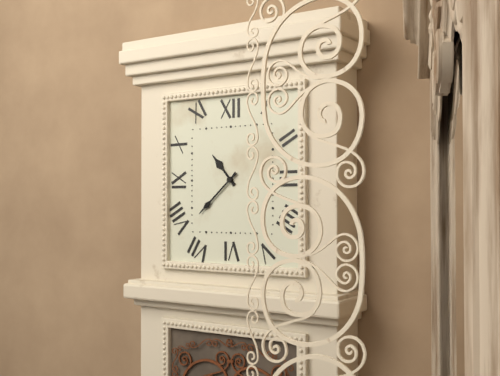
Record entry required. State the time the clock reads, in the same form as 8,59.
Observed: 10,38
